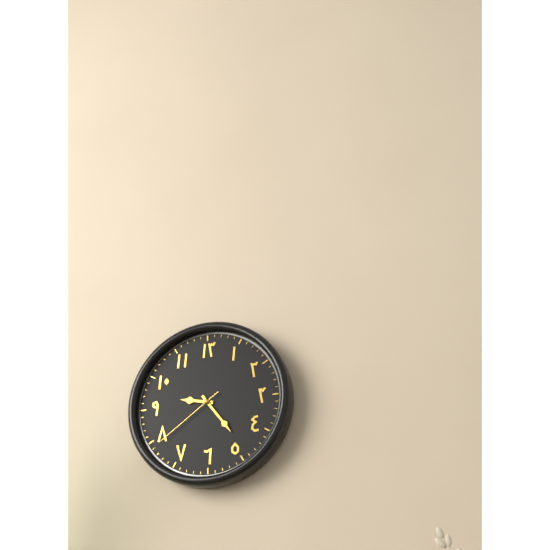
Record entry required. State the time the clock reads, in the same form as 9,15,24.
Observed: 9,24,39
